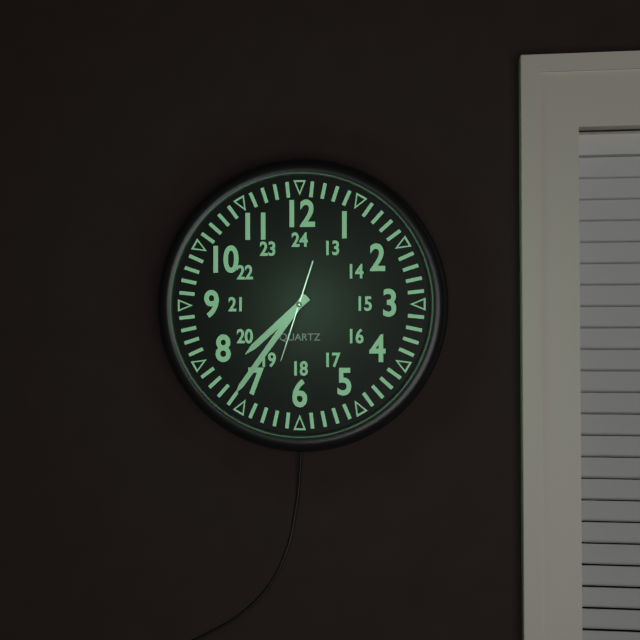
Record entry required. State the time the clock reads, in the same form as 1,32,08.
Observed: 7,36,33
